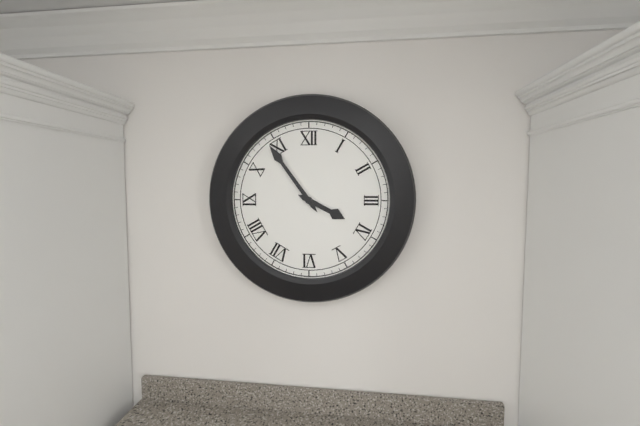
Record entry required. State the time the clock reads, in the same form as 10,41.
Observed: 3,54
